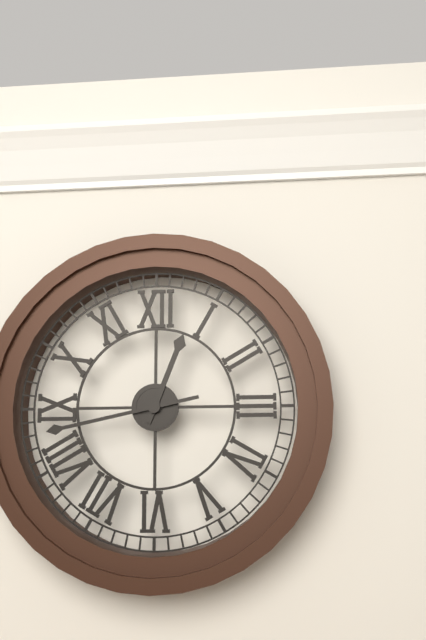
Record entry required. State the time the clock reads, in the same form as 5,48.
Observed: 12,43
